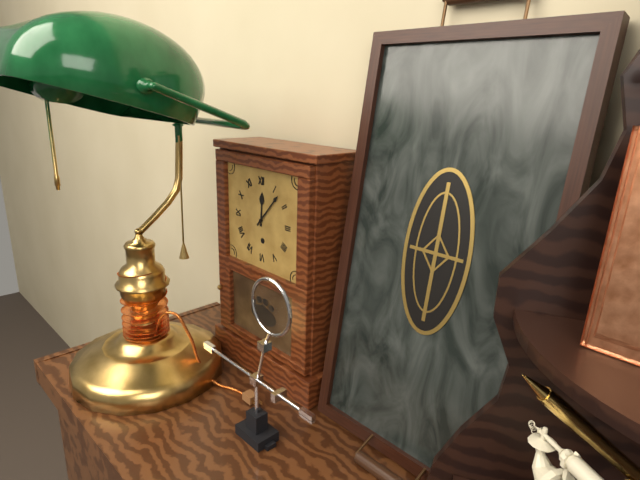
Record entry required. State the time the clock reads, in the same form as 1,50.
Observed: 12,07
